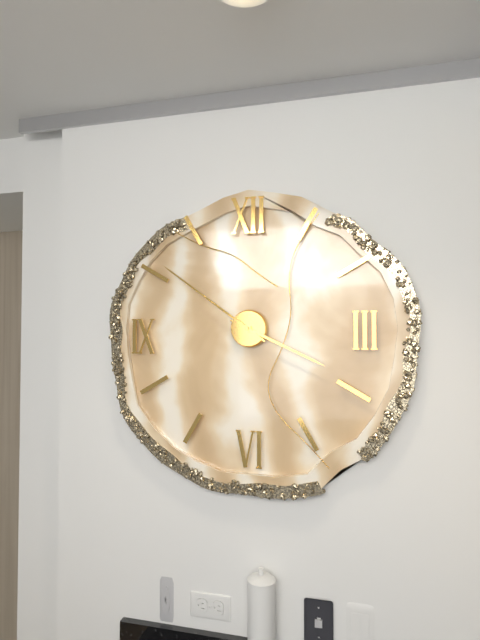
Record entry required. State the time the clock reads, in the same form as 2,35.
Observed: 3,51
